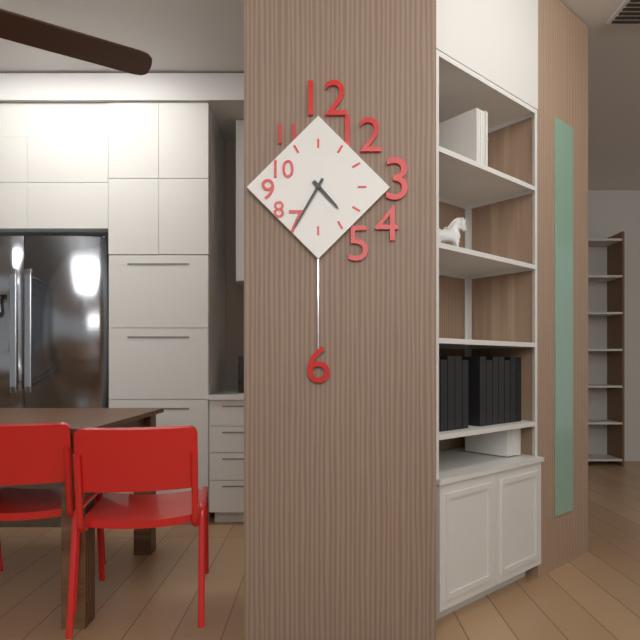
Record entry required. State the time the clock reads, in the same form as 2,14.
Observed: 4,35
